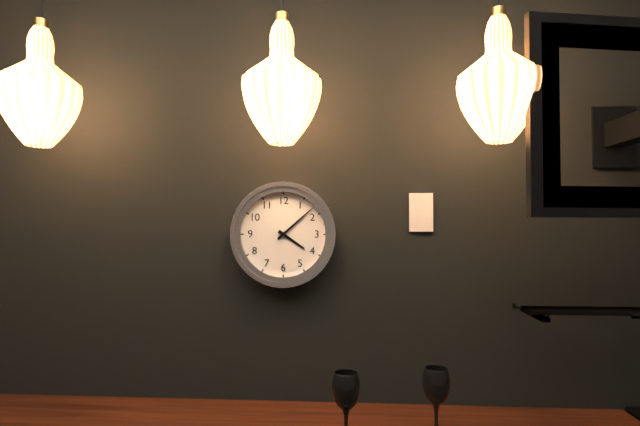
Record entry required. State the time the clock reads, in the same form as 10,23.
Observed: 4,08
